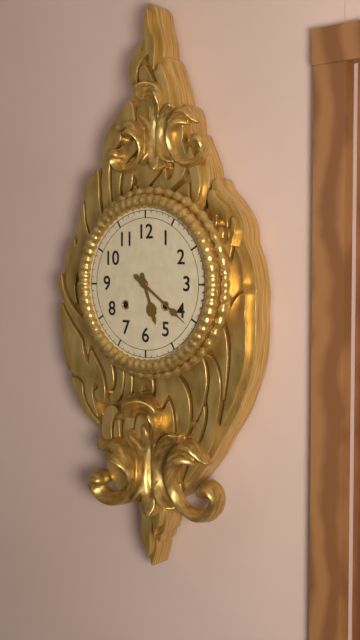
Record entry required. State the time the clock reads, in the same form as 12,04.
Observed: 5,21
